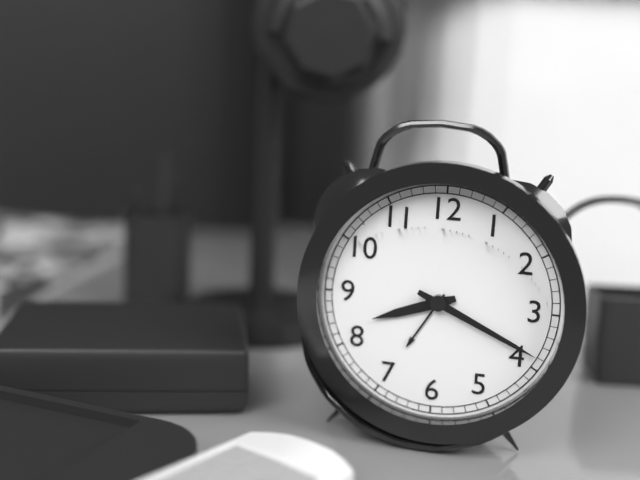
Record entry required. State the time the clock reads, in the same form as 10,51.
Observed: 8,19
